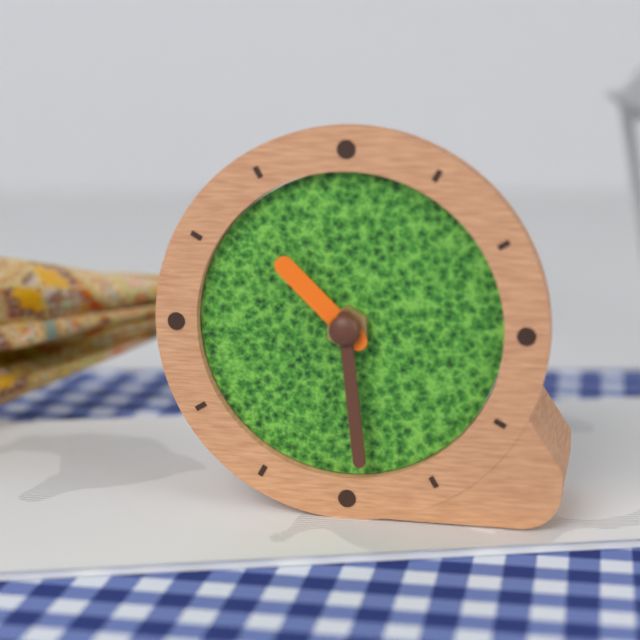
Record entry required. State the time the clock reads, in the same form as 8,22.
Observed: 10,29
